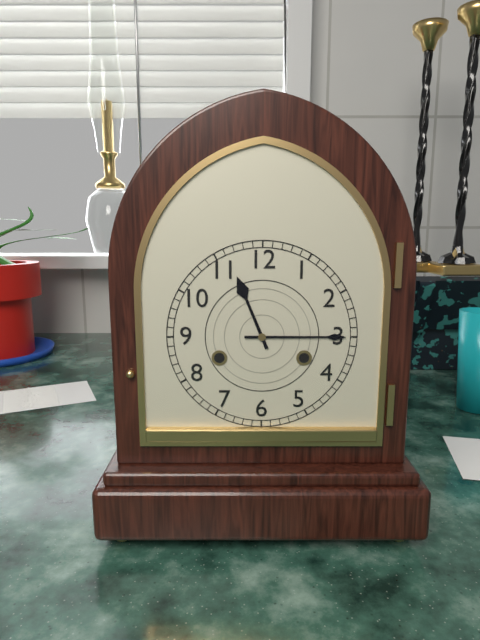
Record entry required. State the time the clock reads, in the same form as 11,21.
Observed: 11,15
